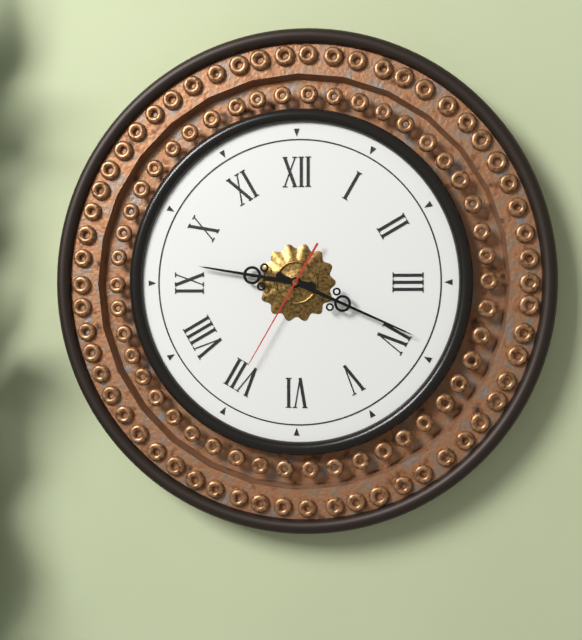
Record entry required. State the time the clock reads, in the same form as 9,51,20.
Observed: 9,19,35
